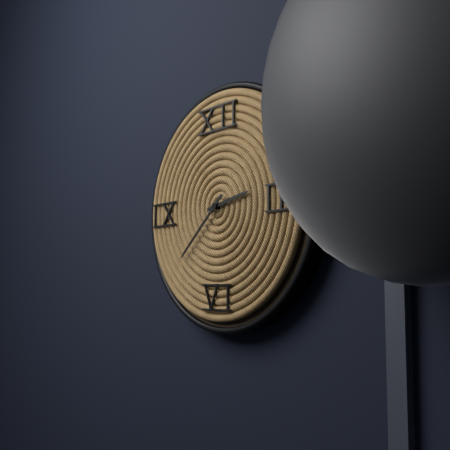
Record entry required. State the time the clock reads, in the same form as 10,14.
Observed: 2,38
